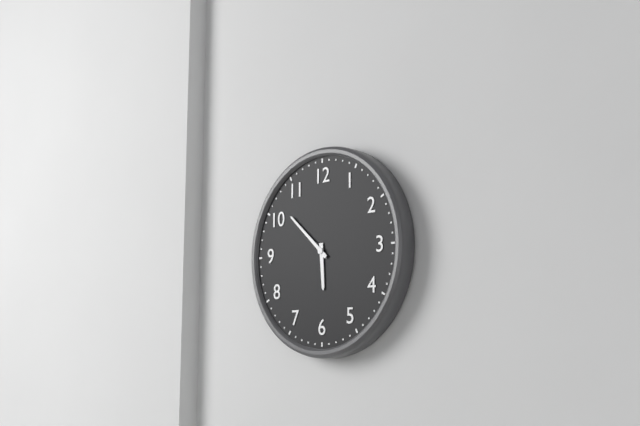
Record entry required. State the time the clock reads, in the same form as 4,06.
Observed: 5,52
